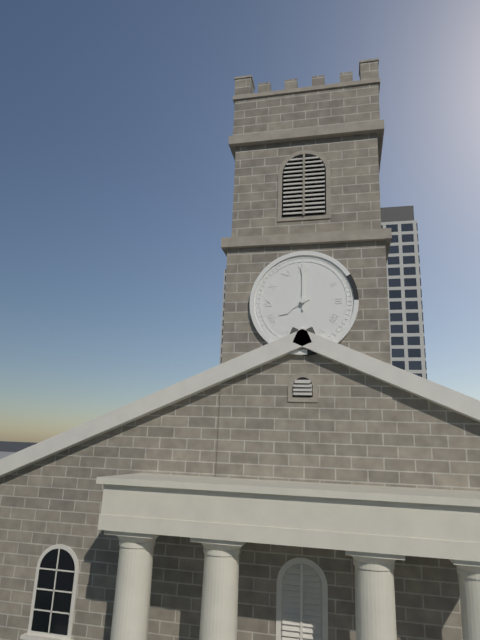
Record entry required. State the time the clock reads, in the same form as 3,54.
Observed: 8,00
